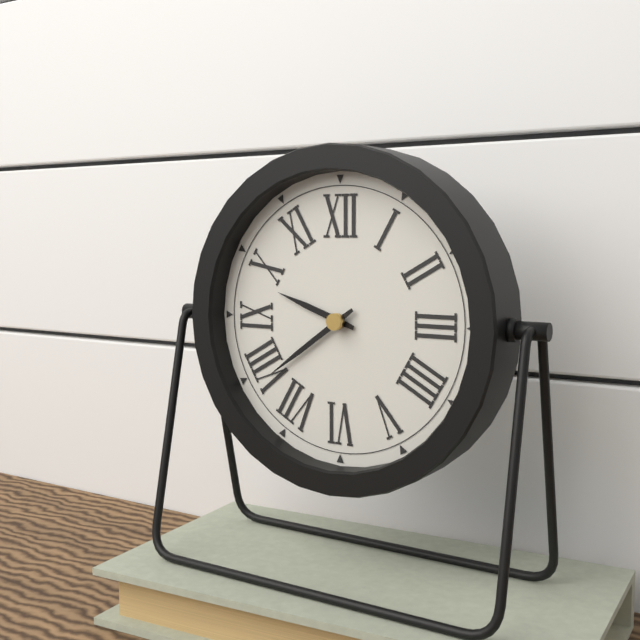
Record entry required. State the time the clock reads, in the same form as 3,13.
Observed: 9,39
